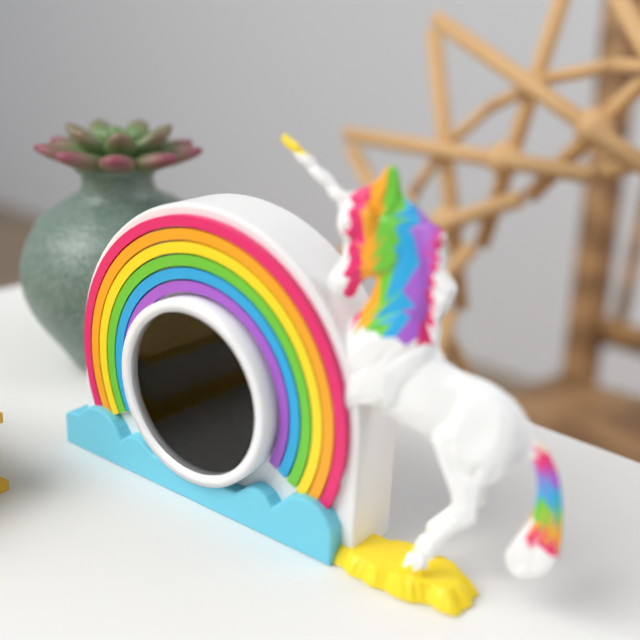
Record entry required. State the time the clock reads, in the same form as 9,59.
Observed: 11,41
